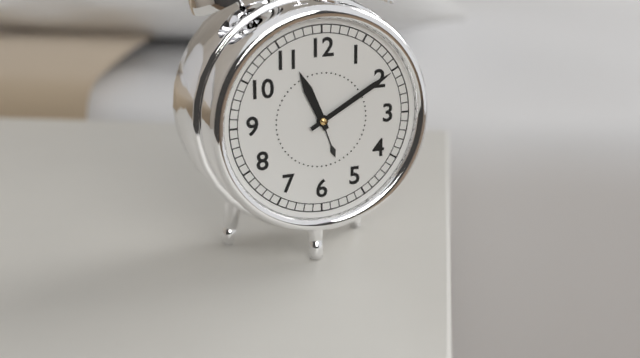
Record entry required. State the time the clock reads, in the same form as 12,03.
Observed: 11,10
